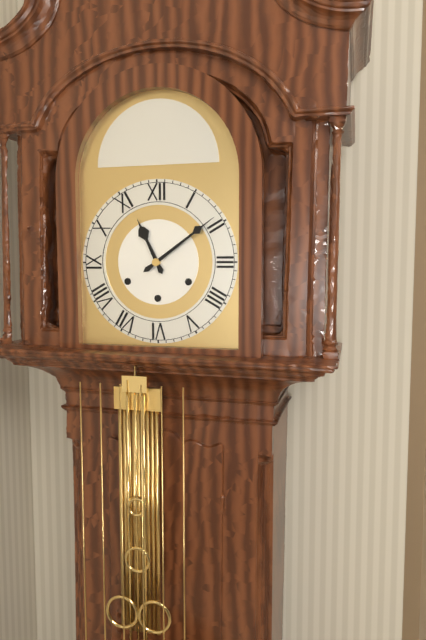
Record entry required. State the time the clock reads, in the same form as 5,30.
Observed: 11,09
